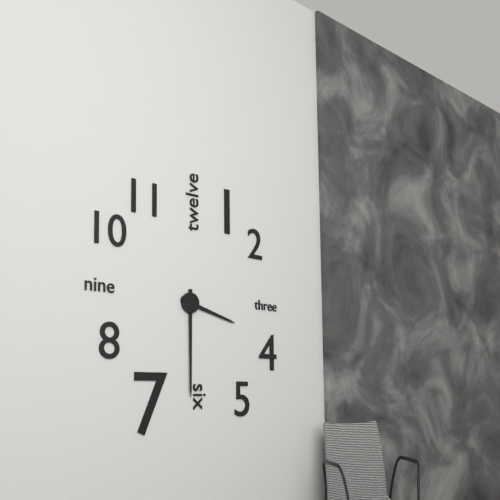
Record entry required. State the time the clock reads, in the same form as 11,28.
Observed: 3,30
